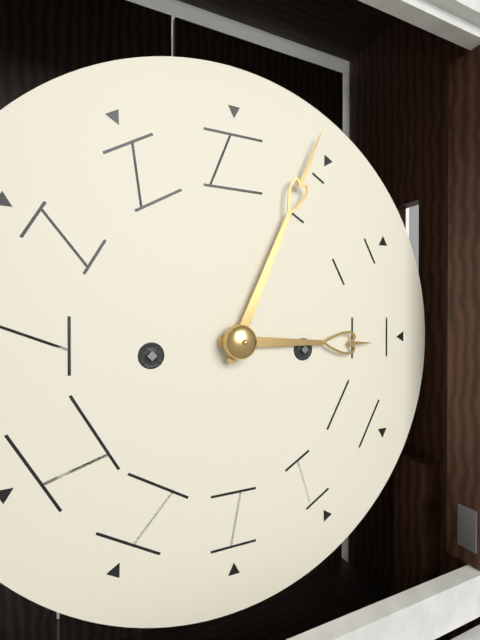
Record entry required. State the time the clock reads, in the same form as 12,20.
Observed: 3,04
